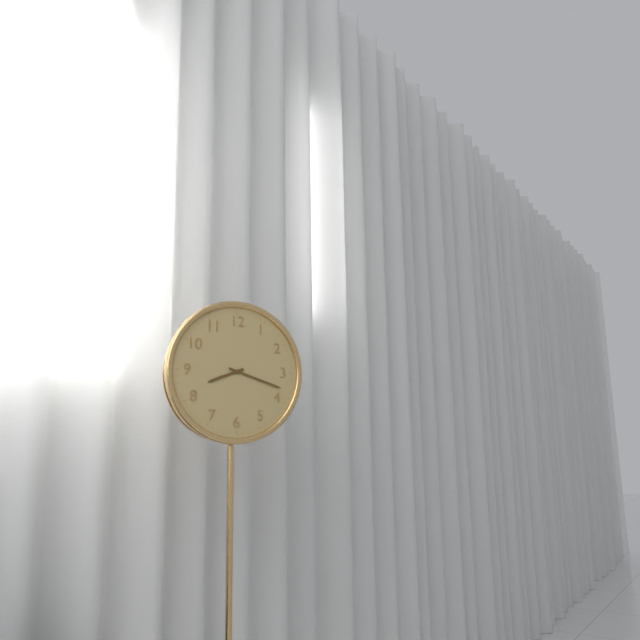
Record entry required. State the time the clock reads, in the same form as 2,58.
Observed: 8,18
